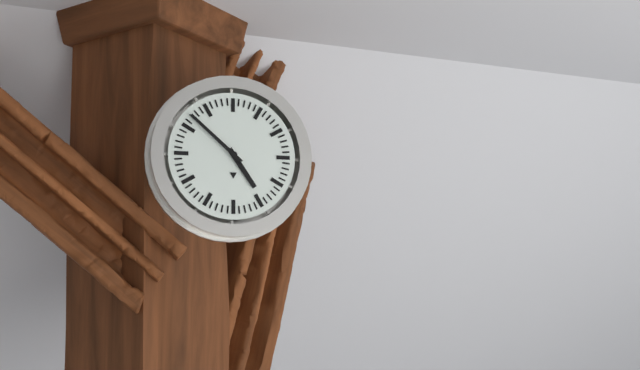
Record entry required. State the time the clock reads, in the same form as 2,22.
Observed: 4,52
